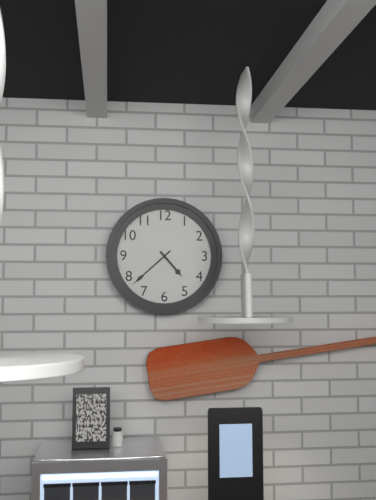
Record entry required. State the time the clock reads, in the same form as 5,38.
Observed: 4,38
